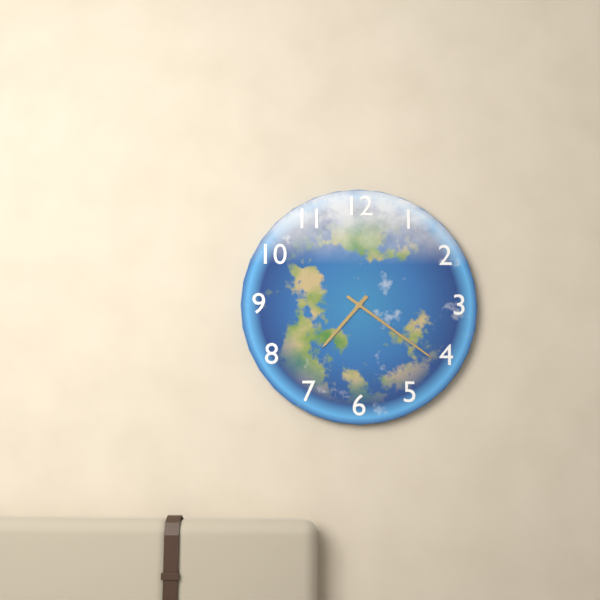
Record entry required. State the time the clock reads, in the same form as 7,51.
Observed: 7,21
